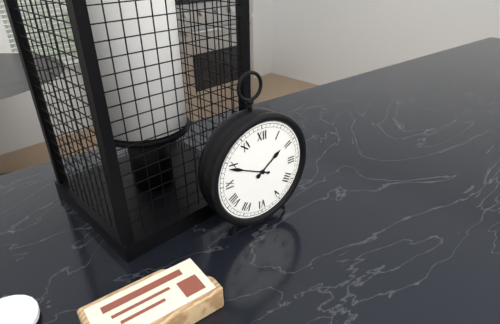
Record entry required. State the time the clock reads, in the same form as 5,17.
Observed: 1,49
